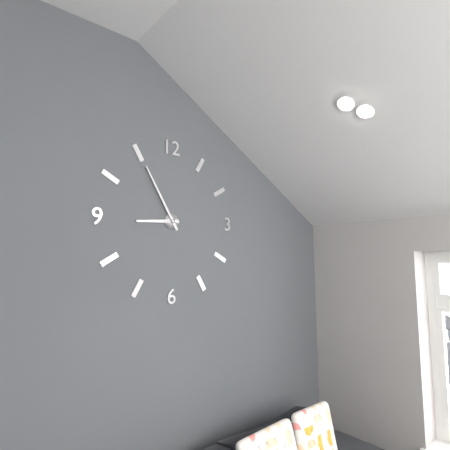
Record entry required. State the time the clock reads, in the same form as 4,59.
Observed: 8,55
